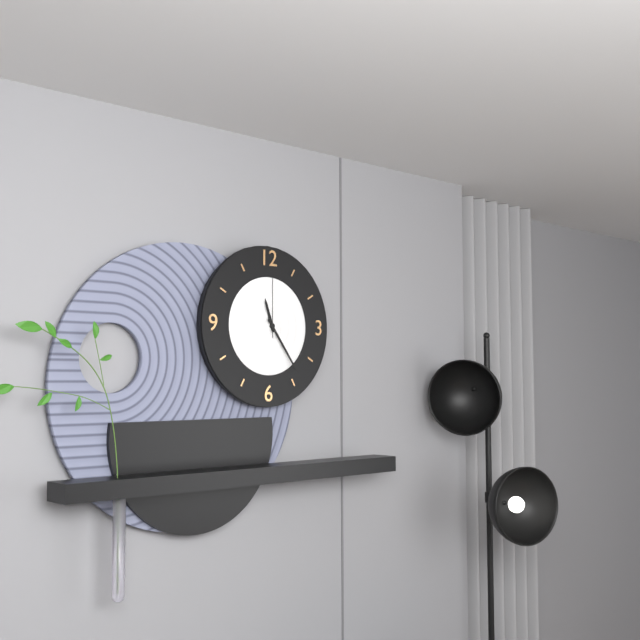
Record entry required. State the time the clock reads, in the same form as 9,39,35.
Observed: 11,24,00
